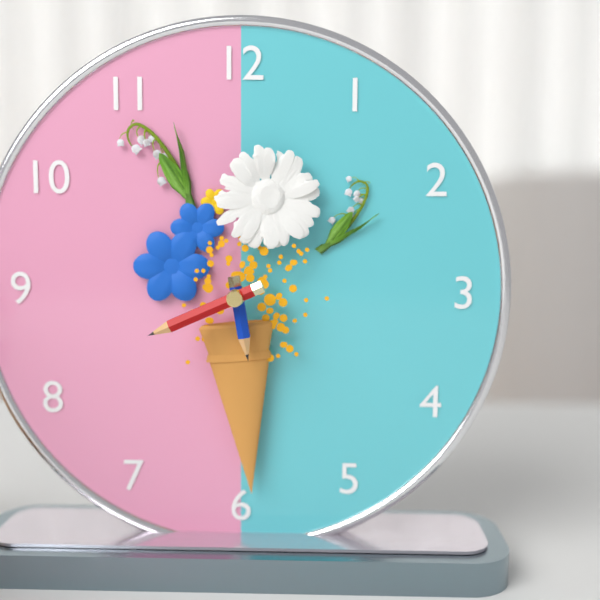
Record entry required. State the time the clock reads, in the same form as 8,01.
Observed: 5,41
